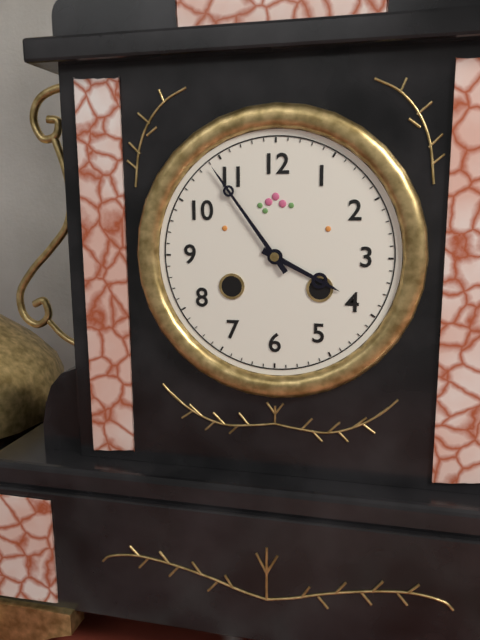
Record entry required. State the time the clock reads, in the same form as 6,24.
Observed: 3,54
